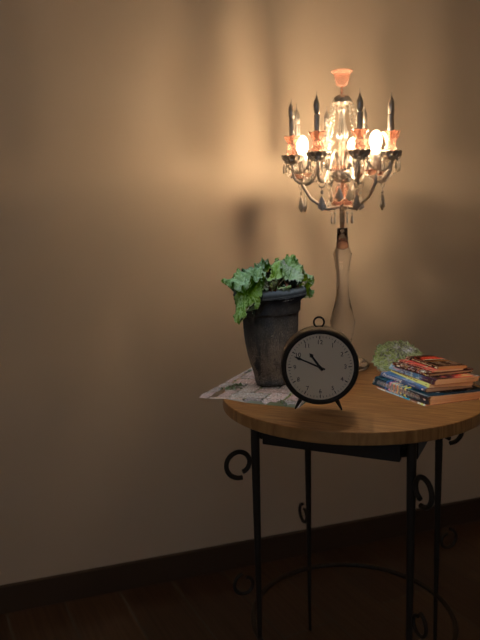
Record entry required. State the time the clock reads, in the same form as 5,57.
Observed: 10,49
